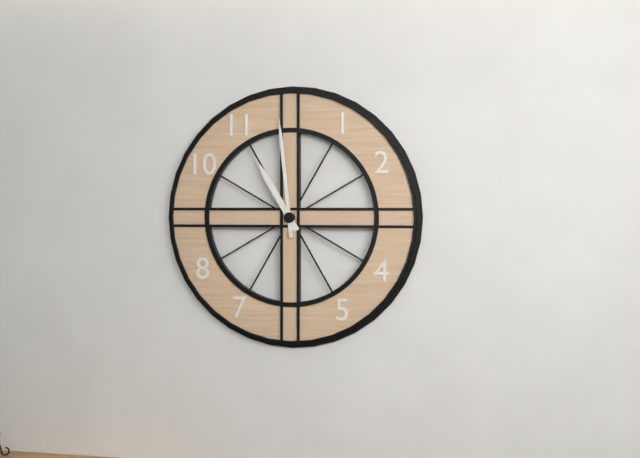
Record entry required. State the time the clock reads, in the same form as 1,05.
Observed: 10,59
